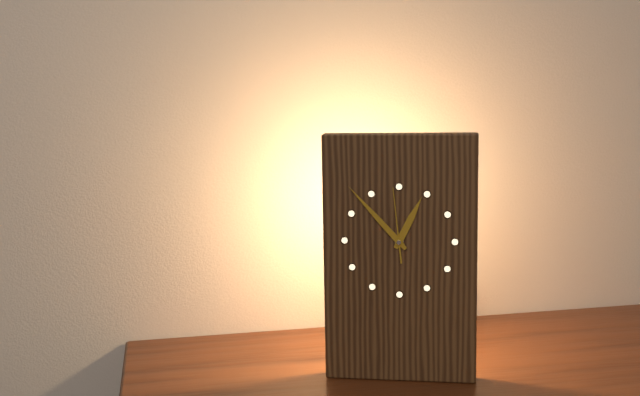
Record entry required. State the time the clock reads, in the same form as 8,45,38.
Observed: 12,53,59
